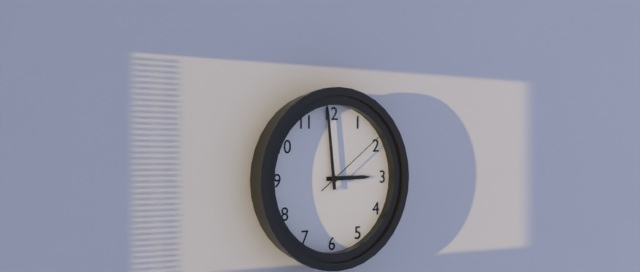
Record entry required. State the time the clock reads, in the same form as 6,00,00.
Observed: 2,59,09
